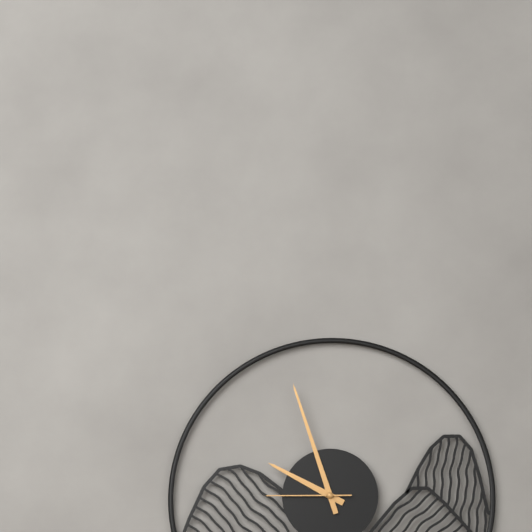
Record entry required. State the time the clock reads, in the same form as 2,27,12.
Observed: 9,57,45
